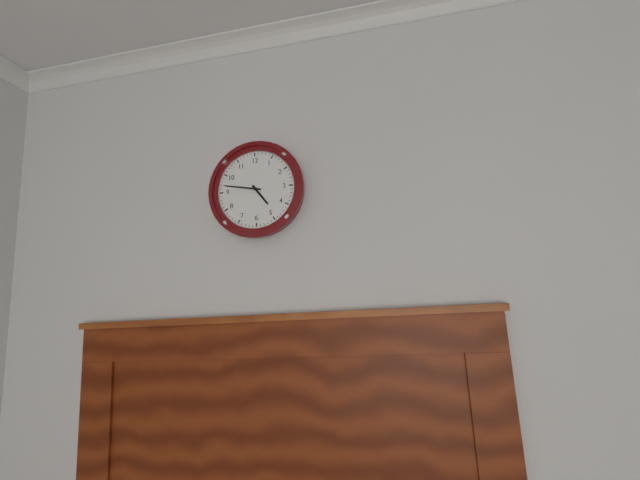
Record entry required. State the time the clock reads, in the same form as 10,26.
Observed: 4,47
